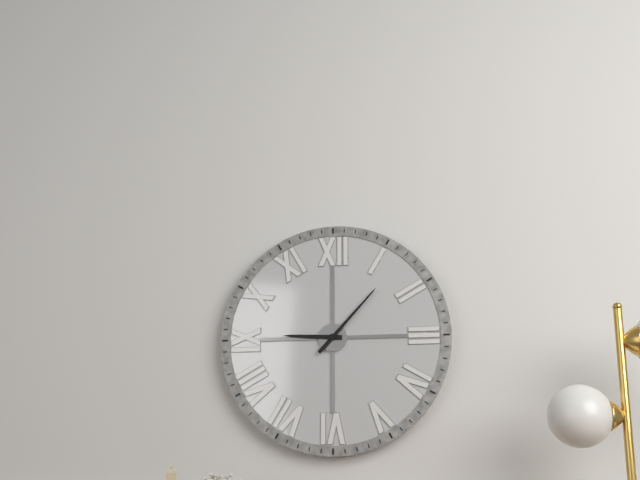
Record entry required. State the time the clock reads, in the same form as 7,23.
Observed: 9,07
